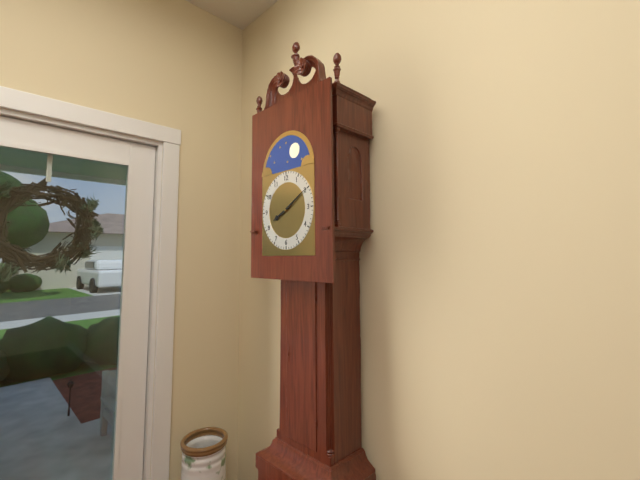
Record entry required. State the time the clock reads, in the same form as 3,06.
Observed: 8,10
